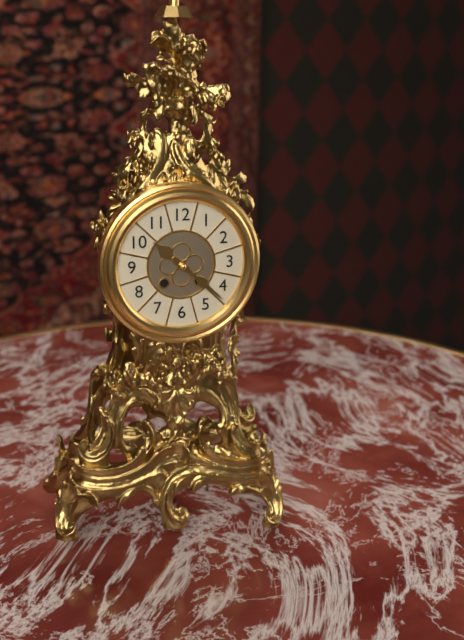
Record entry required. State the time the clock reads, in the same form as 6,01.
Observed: 10,22
